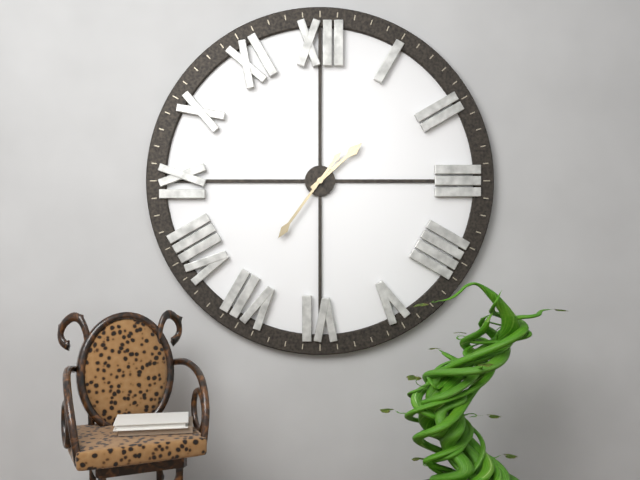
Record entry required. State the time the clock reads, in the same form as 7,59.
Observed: 1,36
